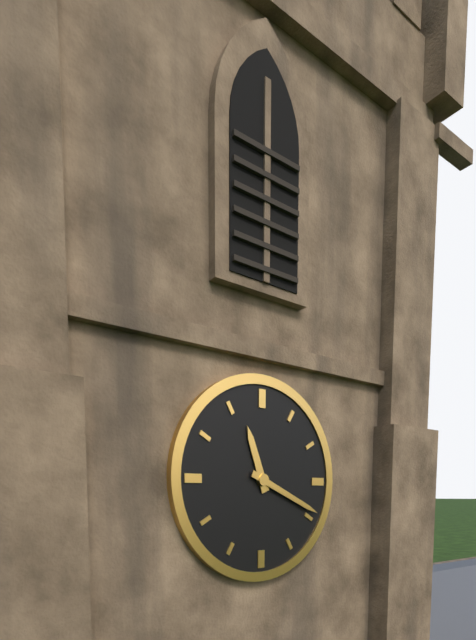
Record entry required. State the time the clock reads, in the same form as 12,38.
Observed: 11,19
